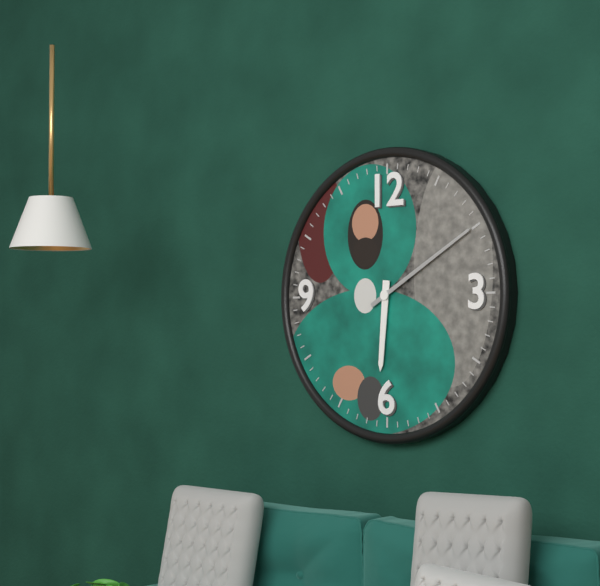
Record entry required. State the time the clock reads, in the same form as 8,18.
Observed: 6,10
